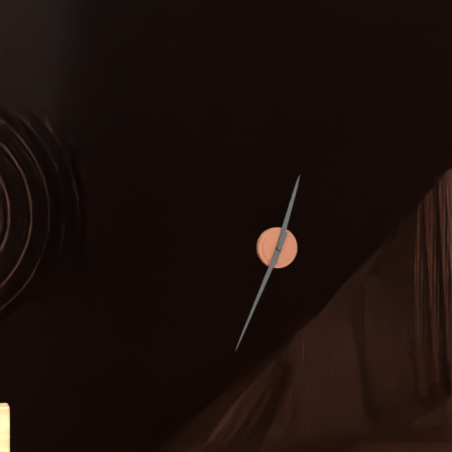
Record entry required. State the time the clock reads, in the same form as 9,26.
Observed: 12,34
